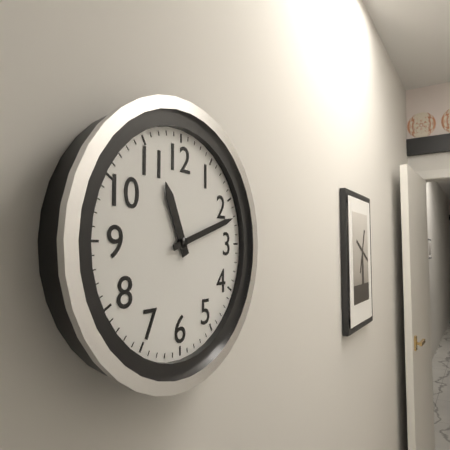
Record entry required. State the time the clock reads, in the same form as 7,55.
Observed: 11,12
